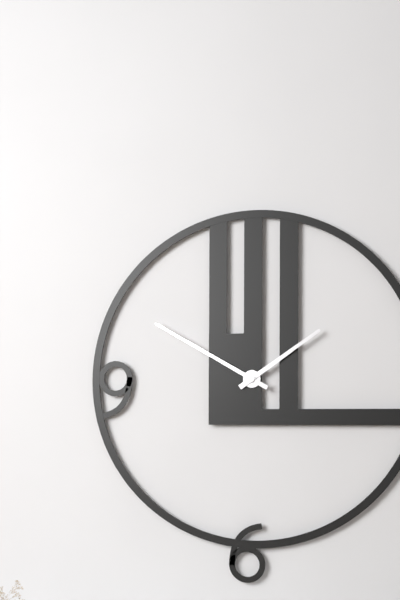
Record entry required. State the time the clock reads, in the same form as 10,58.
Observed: 1,50
